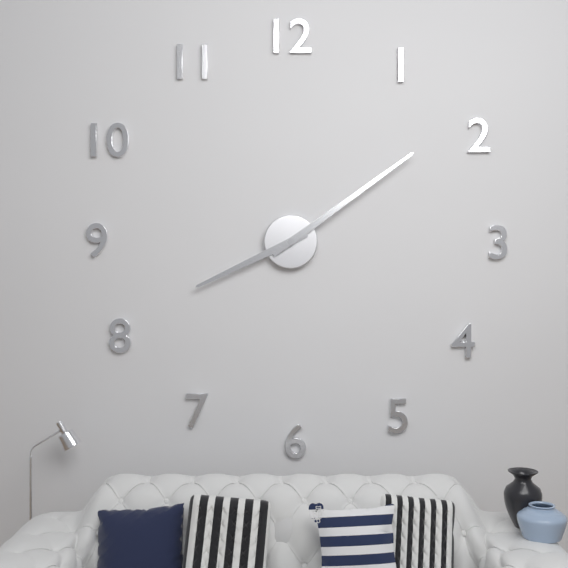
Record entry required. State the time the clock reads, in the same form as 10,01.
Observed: 8,09
